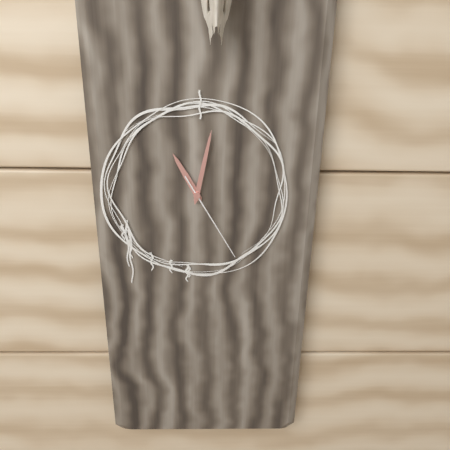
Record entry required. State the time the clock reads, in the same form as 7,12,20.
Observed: 11,02,25
